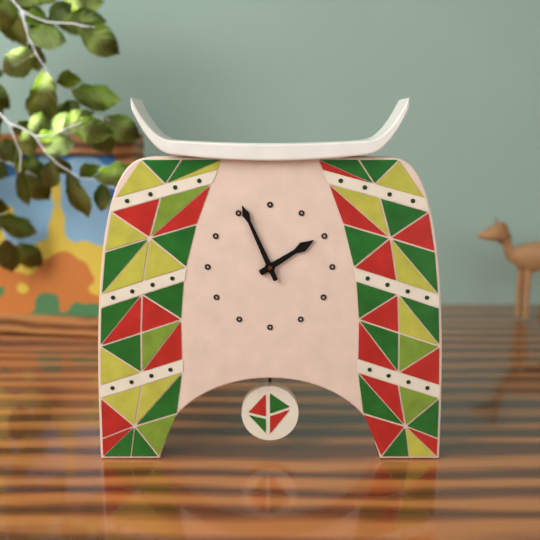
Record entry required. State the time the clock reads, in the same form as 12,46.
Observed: 1,56
